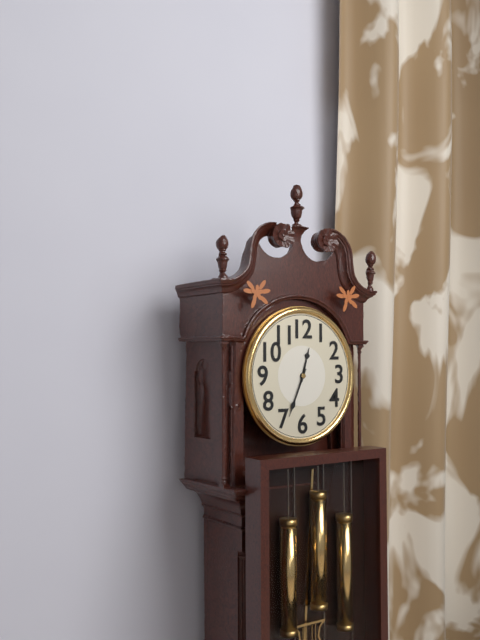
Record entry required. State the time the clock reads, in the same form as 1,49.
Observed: 12,34
